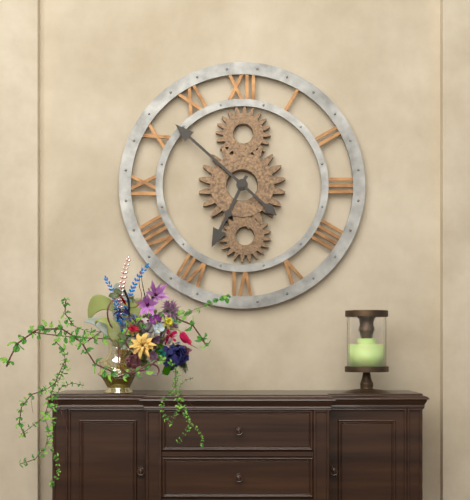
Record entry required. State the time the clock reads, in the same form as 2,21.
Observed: 6,52
